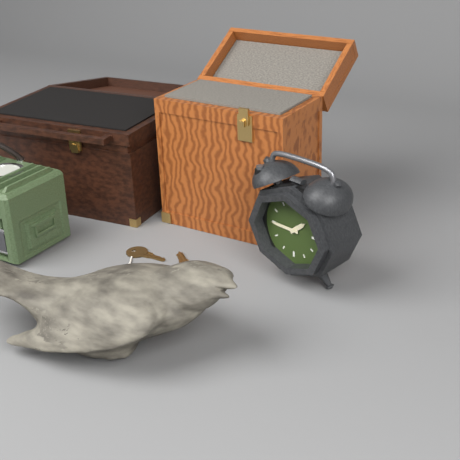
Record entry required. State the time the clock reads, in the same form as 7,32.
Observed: 1,45
